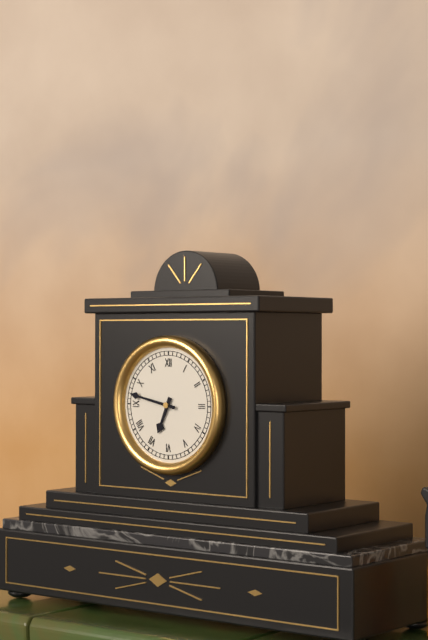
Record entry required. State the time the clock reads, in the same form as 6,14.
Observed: 6,47
